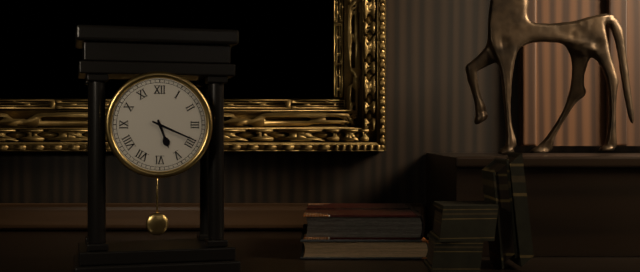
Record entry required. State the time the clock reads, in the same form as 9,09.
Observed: 5,19
